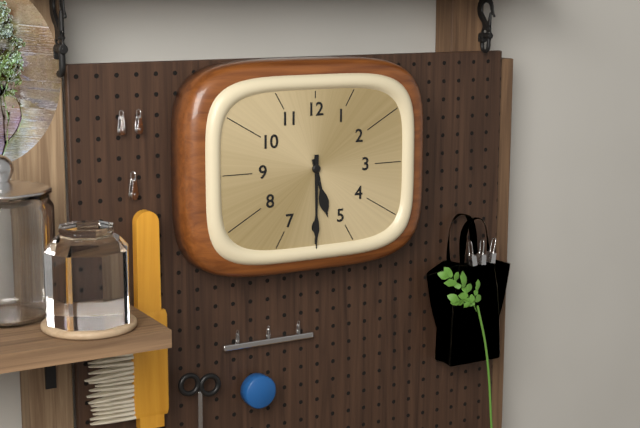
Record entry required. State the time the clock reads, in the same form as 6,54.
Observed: 5,30
